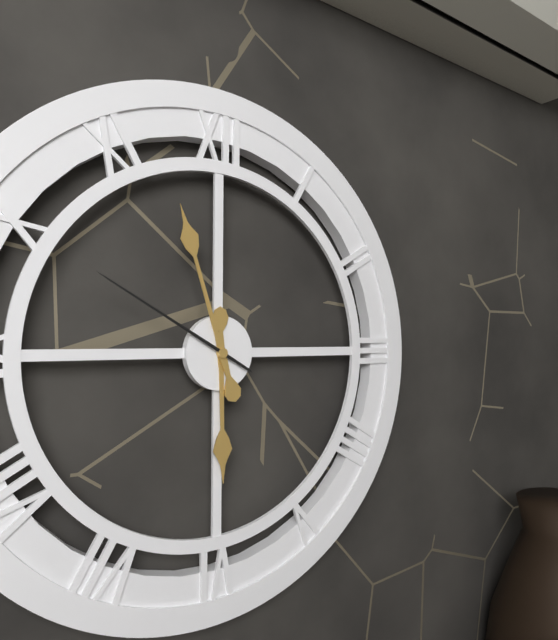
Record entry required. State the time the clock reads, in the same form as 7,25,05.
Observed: 5,57,50
